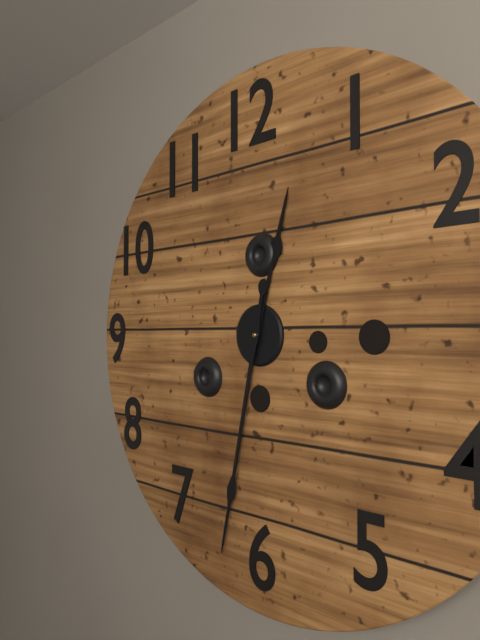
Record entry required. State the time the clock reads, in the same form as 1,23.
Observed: 12,32
